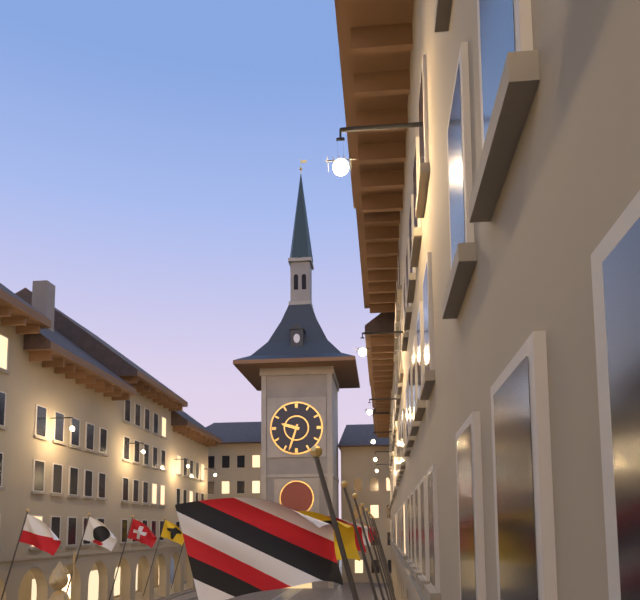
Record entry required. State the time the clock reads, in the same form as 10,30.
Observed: 9,33
